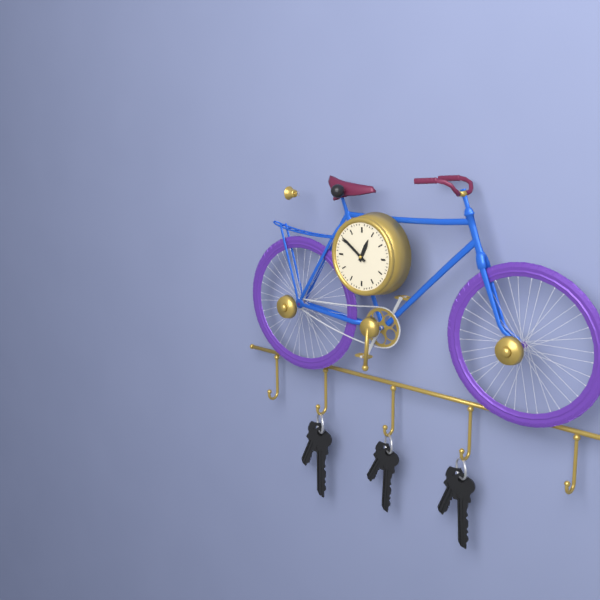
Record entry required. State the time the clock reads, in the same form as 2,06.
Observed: 12,51
